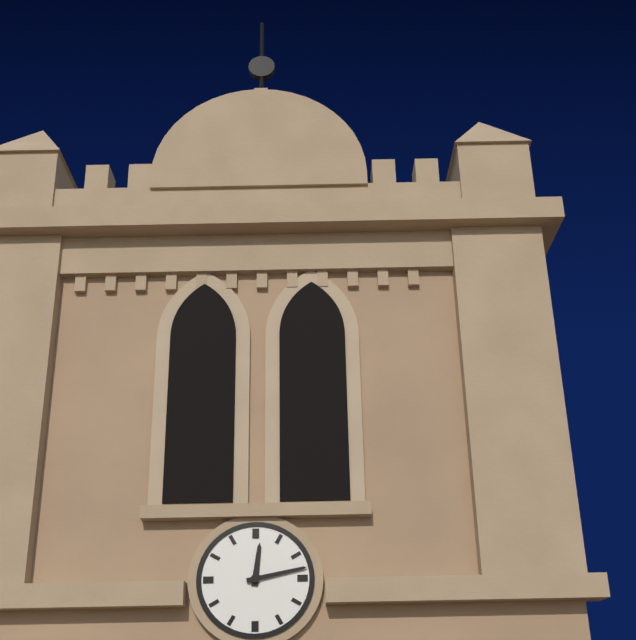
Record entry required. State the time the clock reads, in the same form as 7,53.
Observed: 12,13
